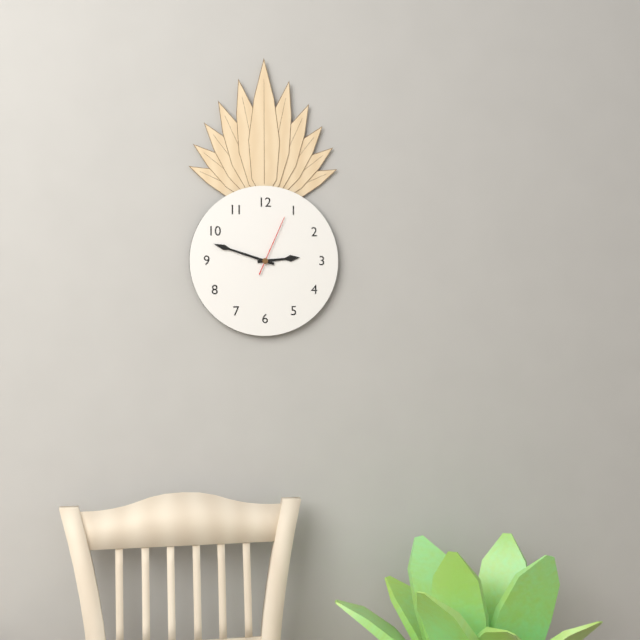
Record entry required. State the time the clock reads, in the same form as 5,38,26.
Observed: 2,48,04
